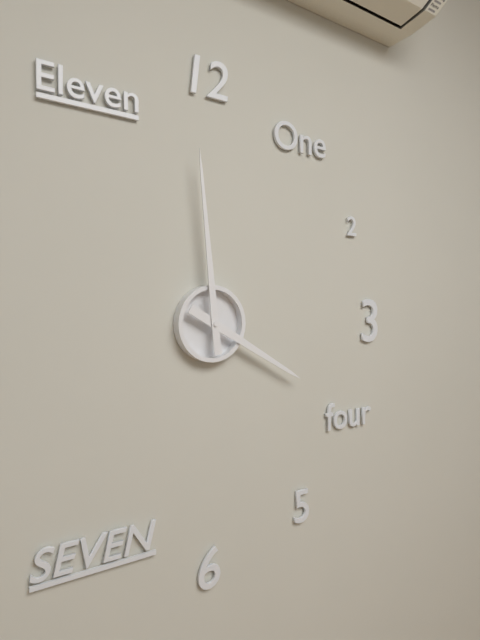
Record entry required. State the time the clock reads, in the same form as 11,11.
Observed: 3,59
